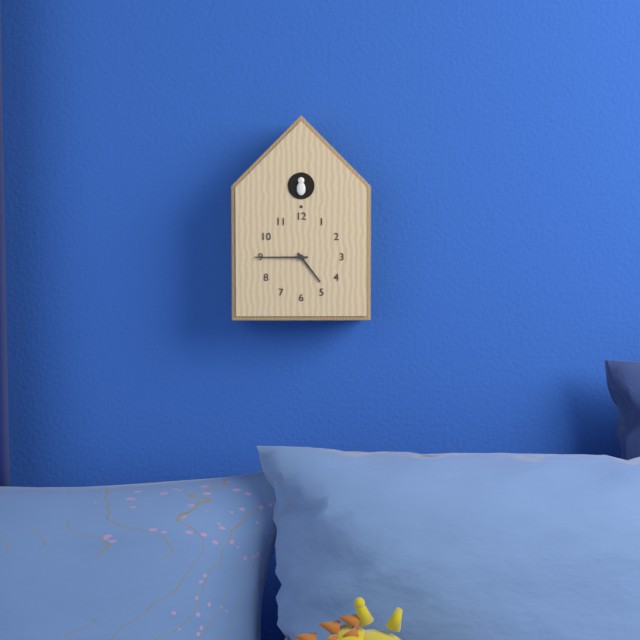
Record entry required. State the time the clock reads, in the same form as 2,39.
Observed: 4,45
